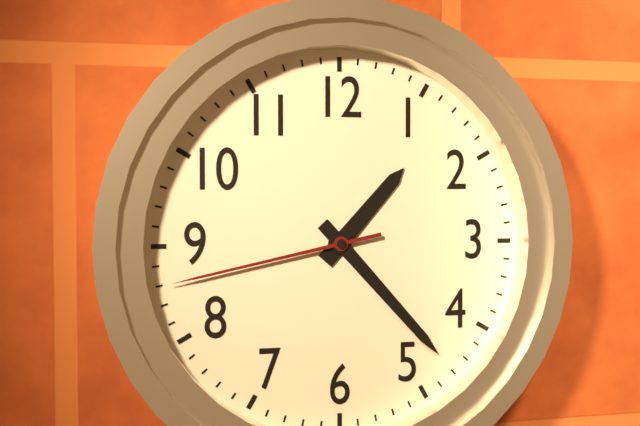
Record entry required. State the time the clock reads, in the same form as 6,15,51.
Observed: 1,23,43
